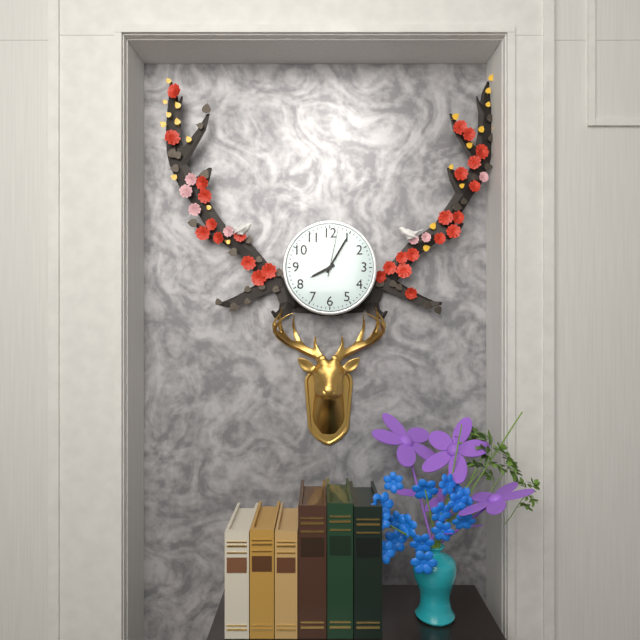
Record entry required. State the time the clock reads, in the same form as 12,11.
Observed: 8,05
